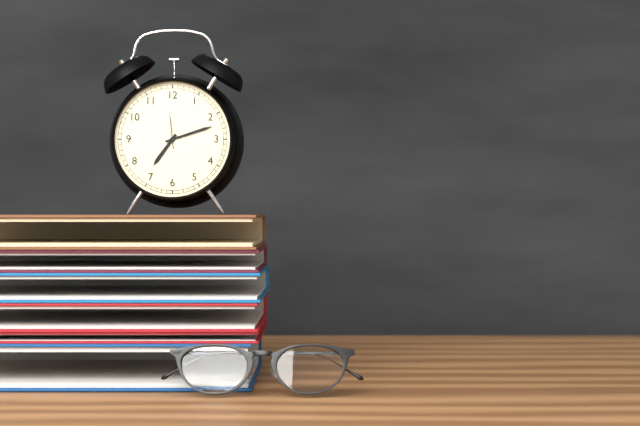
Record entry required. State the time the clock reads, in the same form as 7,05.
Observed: 7,12
